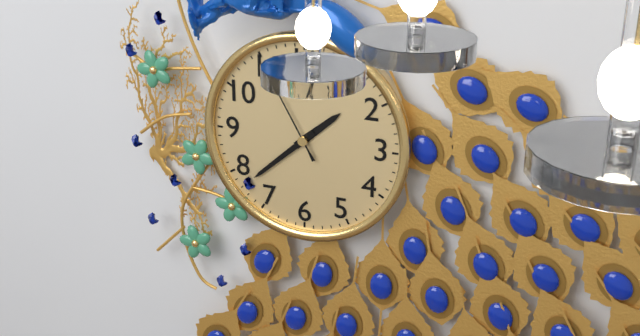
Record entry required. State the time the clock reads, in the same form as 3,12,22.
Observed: 1,38,55
